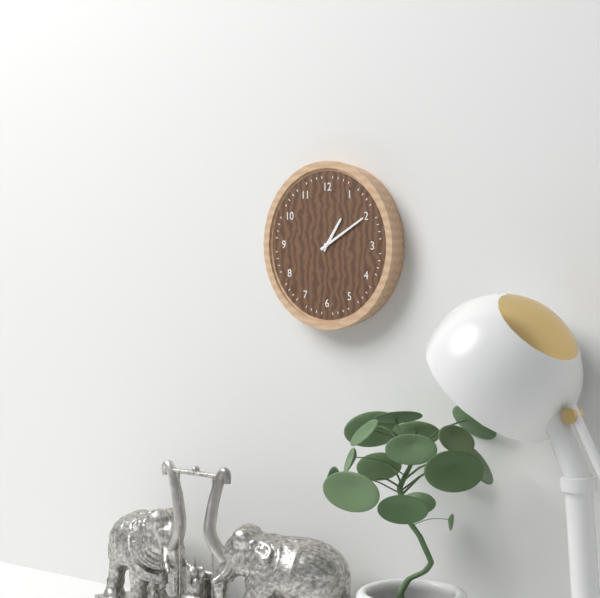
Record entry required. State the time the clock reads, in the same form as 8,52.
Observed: 1,10
